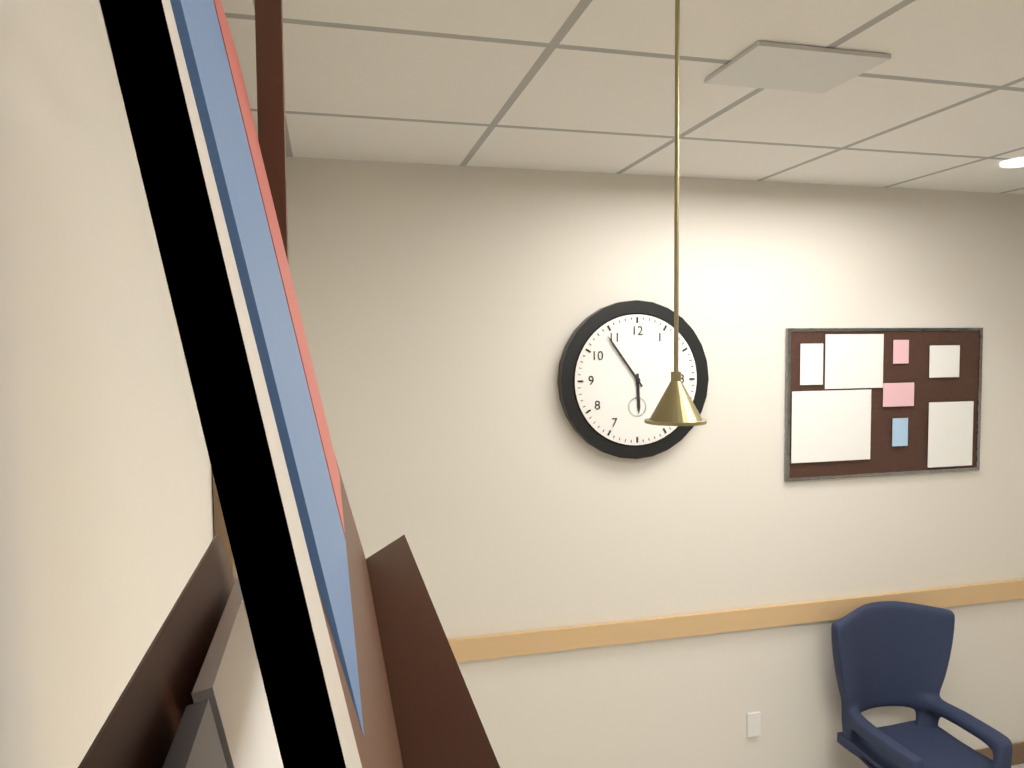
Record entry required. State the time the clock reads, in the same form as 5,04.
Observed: 5,54
